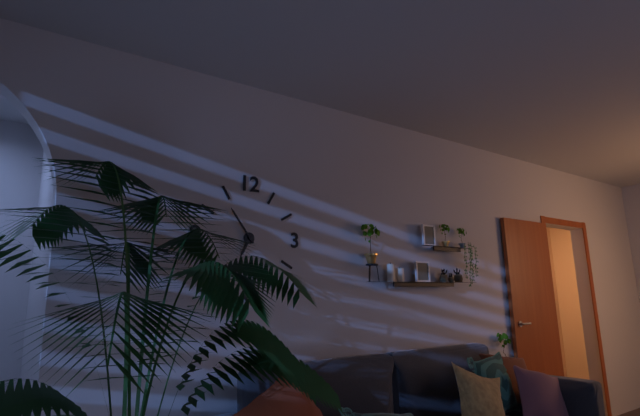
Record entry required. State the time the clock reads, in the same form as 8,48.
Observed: 6,54
